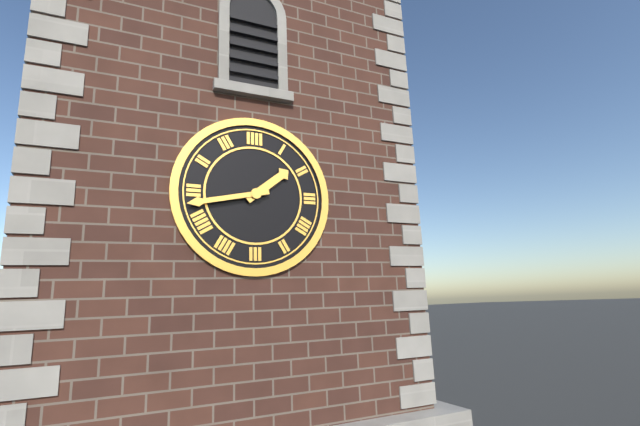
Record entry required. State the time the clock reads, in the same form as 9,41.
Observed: 1,43
